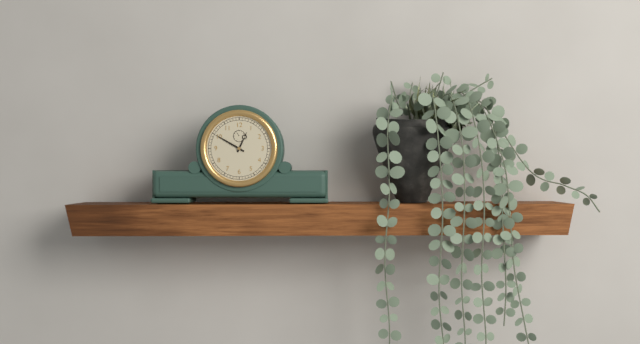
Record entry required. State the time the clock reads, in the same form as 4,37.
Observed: 12,50
